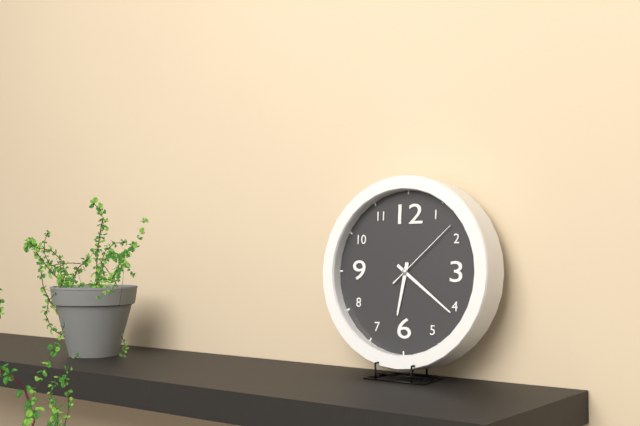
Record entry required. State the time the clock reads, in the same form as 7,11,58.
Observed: 6,21,08
